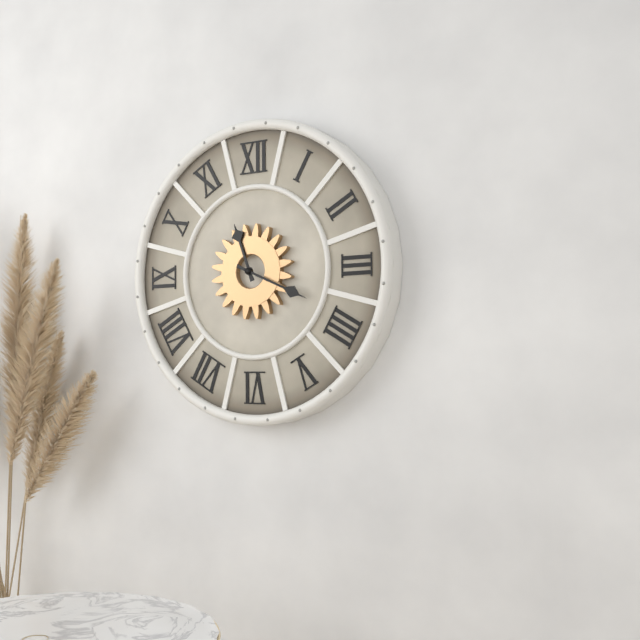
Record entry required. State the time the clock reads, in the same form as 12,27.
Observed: 11,19
